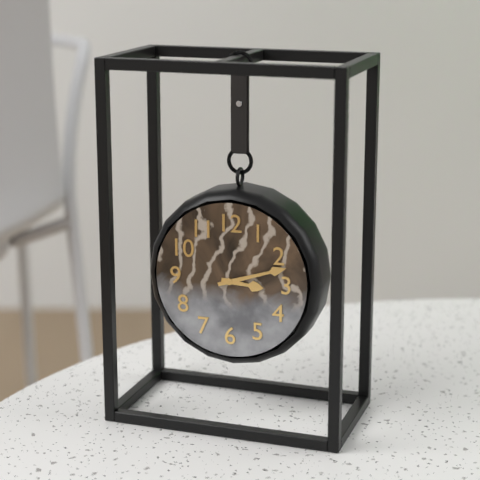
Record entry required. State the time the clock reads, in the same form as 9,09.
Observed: 3,12
